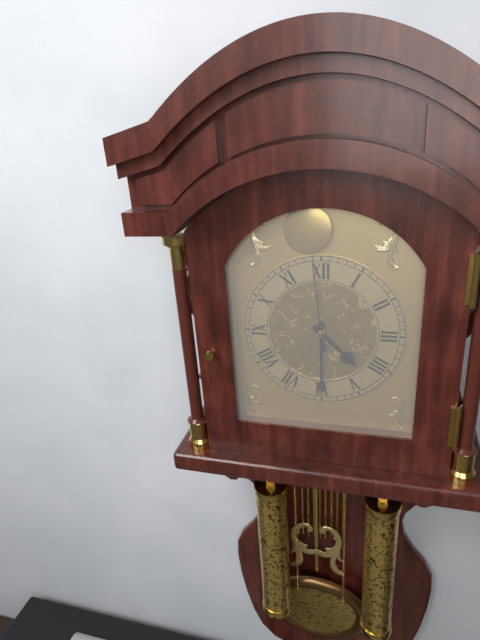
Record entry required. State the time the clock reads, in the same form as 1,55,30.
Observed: 4,30,59
